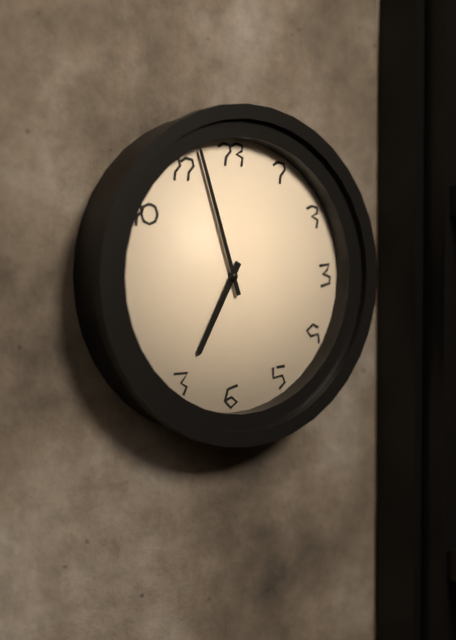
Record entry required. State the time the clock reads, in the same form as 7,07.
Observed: 6,57
